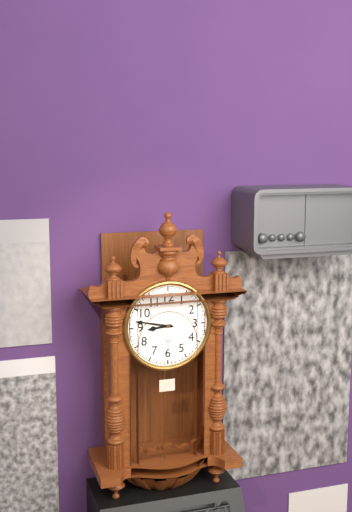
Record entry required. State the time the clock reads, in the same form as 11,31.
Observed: 8,47
